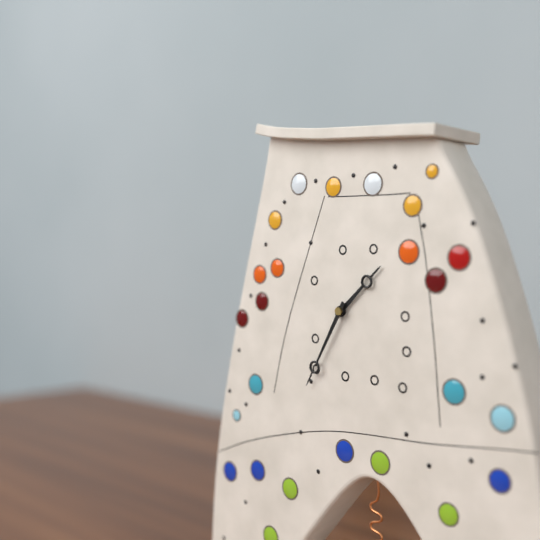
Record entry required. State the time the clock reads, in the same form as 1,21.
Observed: 1,35
